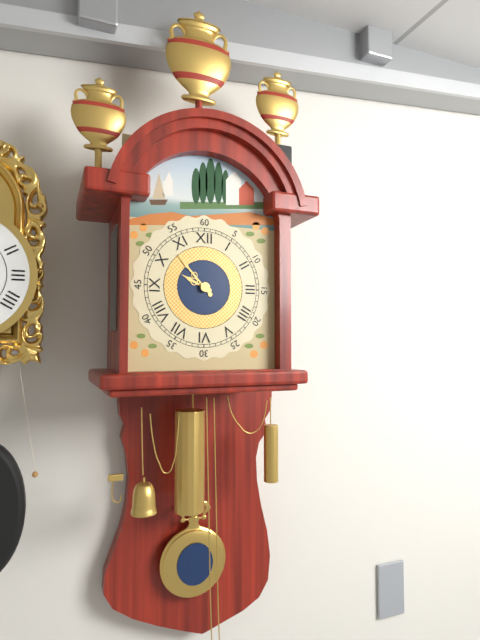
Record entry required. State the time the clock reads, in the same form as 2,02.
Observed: 9,53
